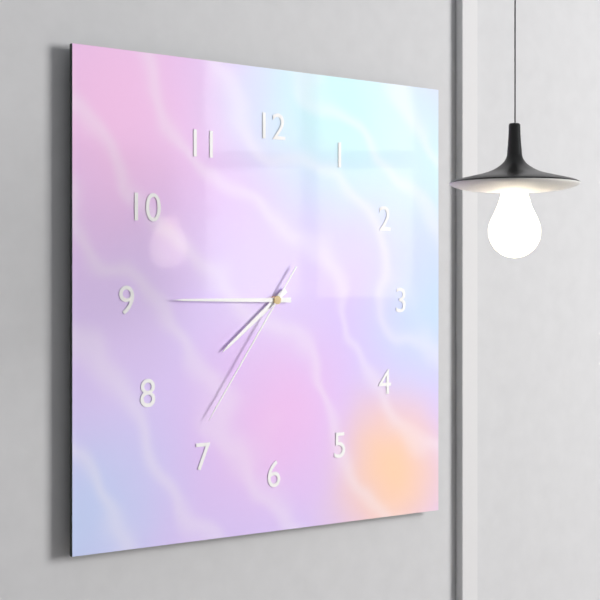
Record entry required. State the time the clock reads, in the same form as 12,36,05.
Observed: 7,45,36
